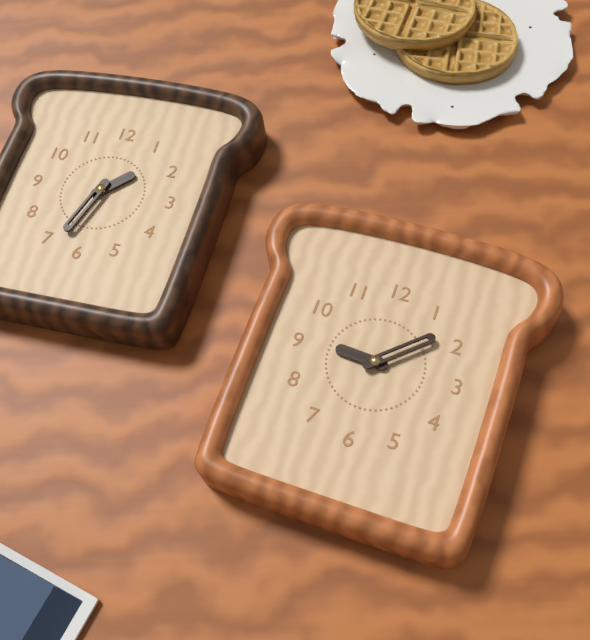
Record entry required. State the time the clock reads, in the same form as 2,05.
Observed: 9,08
